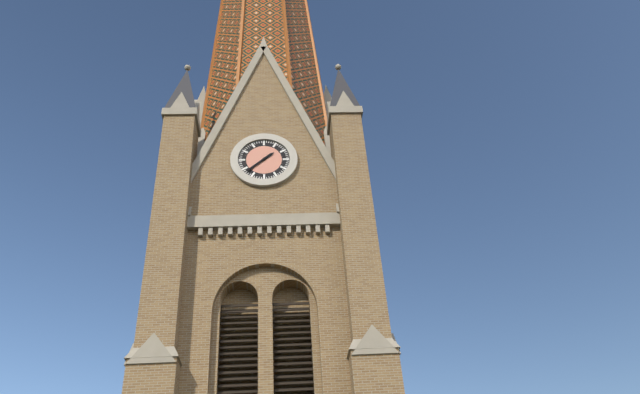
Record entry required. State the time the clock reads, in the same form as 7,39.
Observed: 1,38
